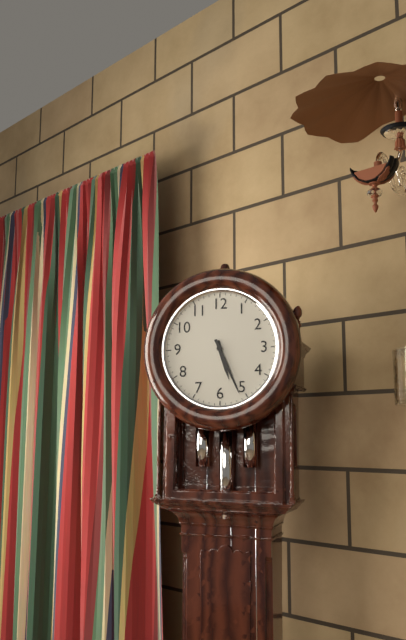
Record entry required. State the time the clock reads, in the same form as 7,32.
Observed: 5,26
